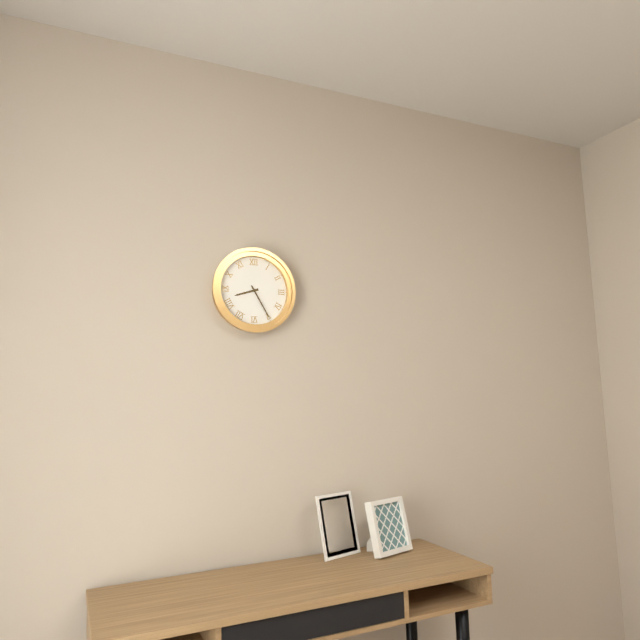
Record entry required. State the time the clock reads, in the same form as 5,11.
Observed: 8,25
